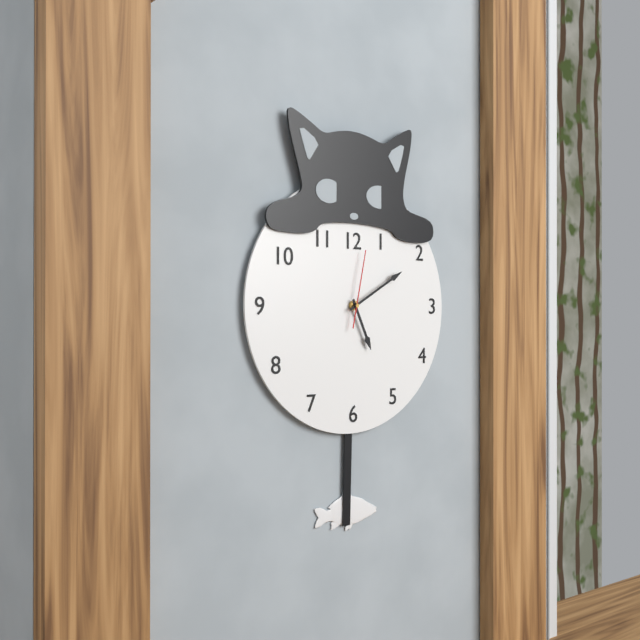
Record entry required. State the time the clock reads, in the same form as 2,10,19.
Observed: 5,10,02
